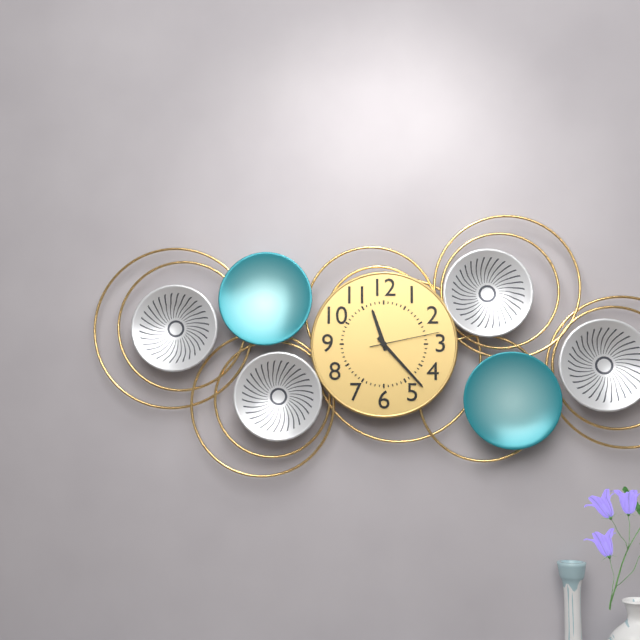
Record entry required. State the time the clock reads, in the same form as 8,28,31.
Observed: 11,23,13
